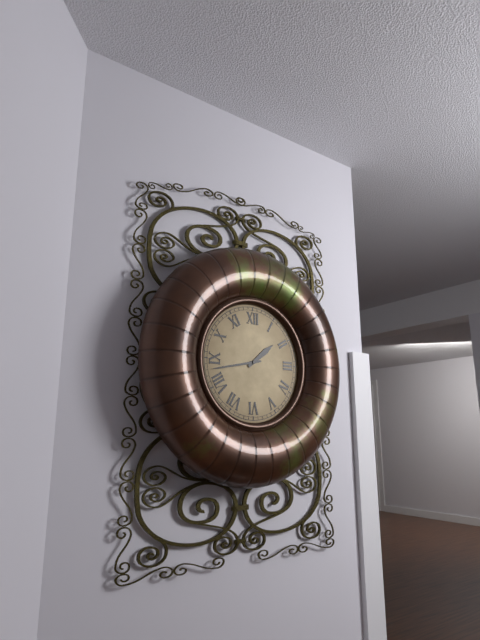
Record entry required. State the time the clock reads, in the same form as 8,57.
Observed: 1,43
